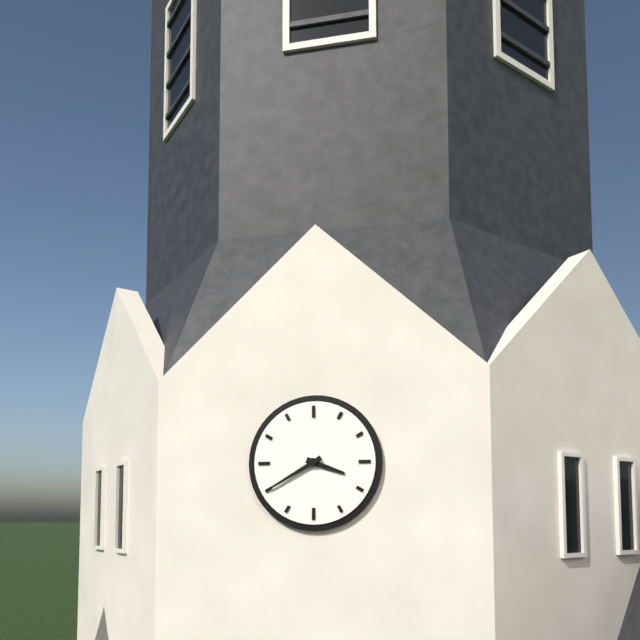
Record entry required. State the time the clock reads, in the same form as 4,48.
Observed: 3,40
